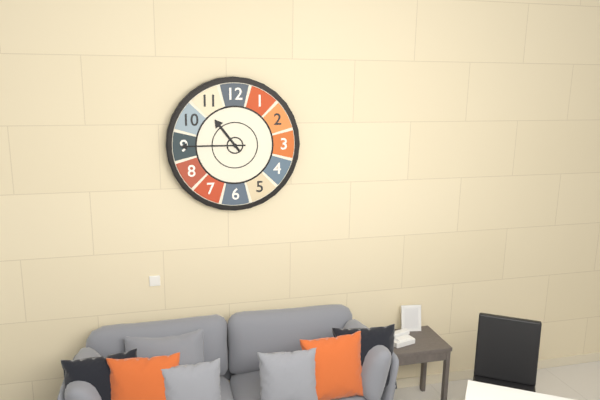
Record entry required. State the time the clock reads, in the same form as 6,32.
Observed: 10,45
